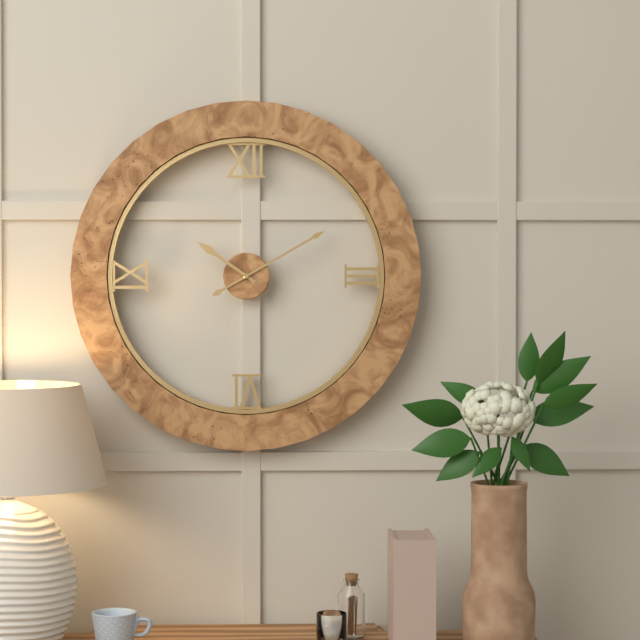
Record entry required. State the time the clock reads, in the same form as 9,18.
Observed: 10,10
